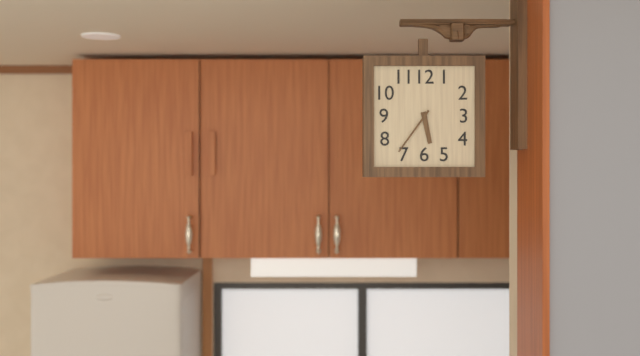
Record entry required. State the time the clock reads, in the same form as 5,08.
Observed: 5,36
